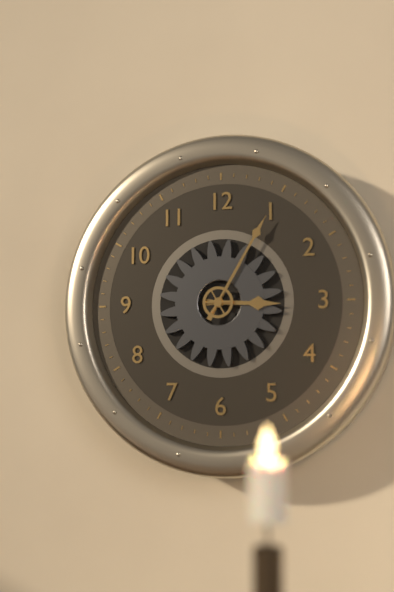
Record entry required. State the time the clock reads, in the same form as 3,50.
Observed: 3,05
